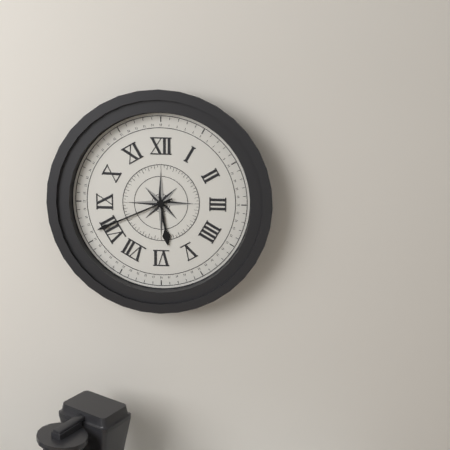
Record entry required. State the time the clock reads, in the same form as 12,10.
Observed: 5,41
